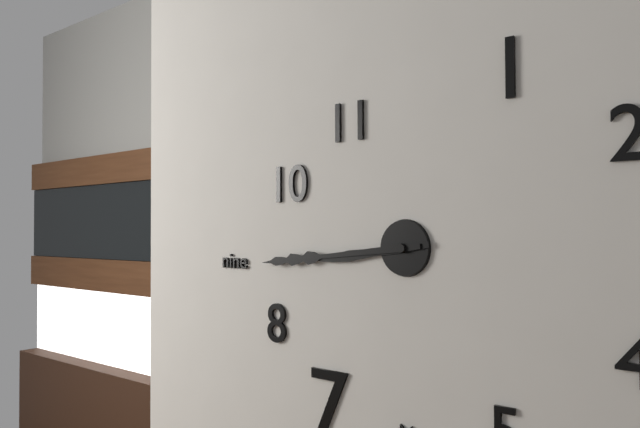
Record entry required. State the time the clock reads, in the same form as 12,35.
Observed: 8,44
